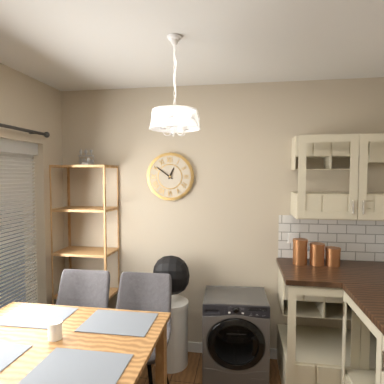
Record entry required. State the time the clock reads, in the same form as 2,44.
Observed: 12,51
